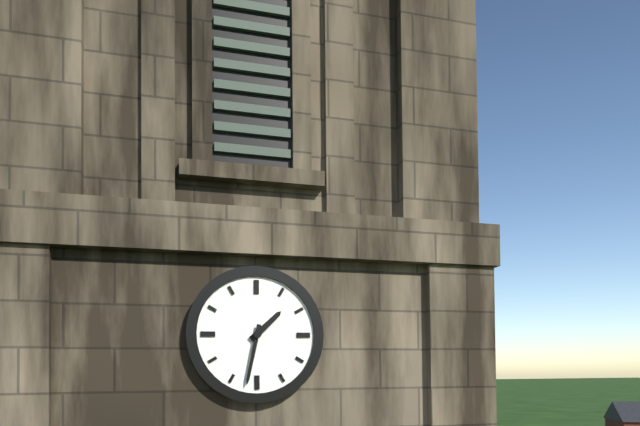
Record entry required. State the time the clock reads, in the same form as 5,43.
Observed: 1,32
